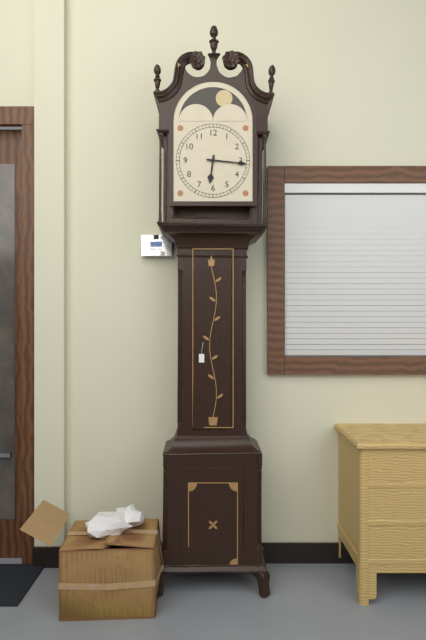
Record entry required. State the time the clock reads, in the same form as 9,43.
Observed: 6,16
